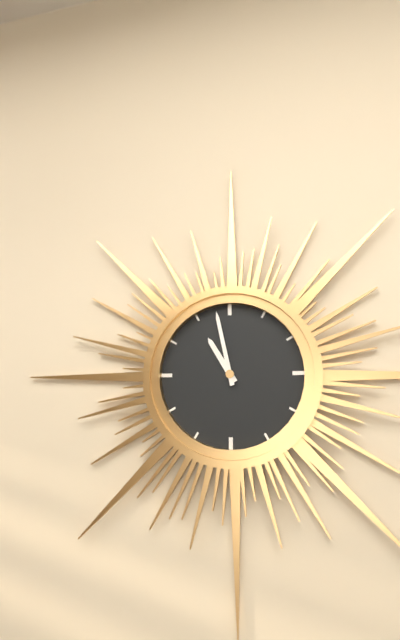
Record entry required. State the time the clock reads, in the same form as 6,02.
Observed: 10,58
